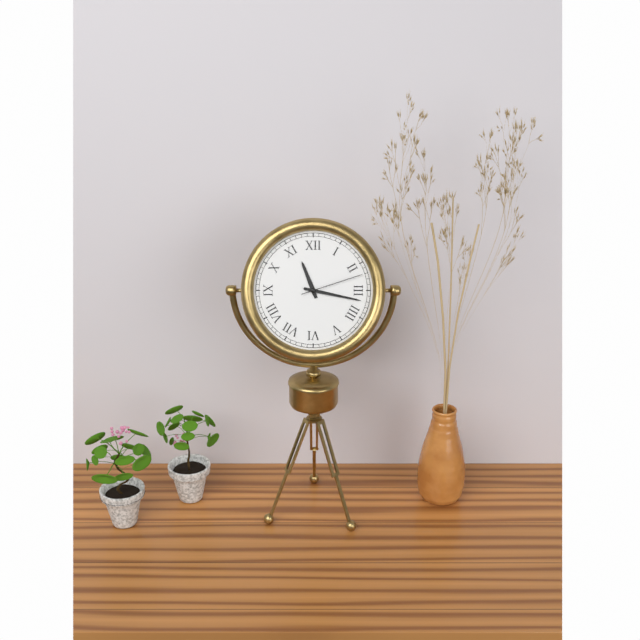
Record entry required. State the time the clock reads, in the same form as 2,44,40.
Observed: 11,17,12
